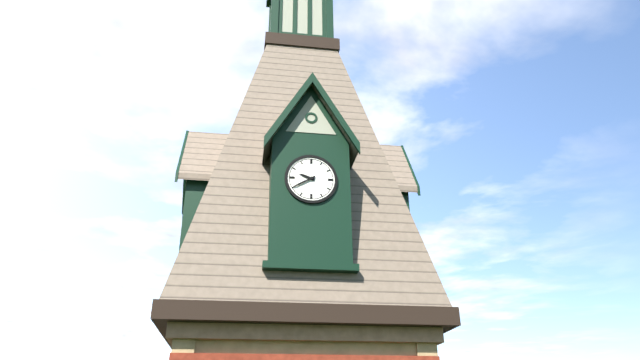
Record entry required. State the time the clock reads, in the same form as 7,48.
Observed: 9,40
